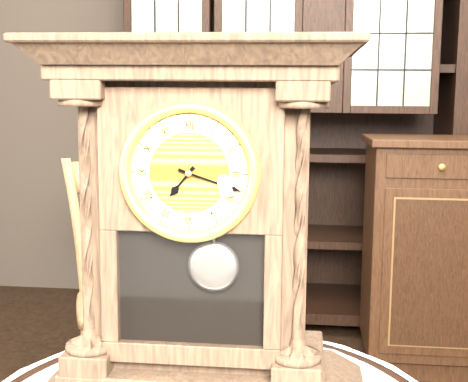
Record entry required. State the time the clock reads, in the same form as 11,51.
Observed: 7,18
